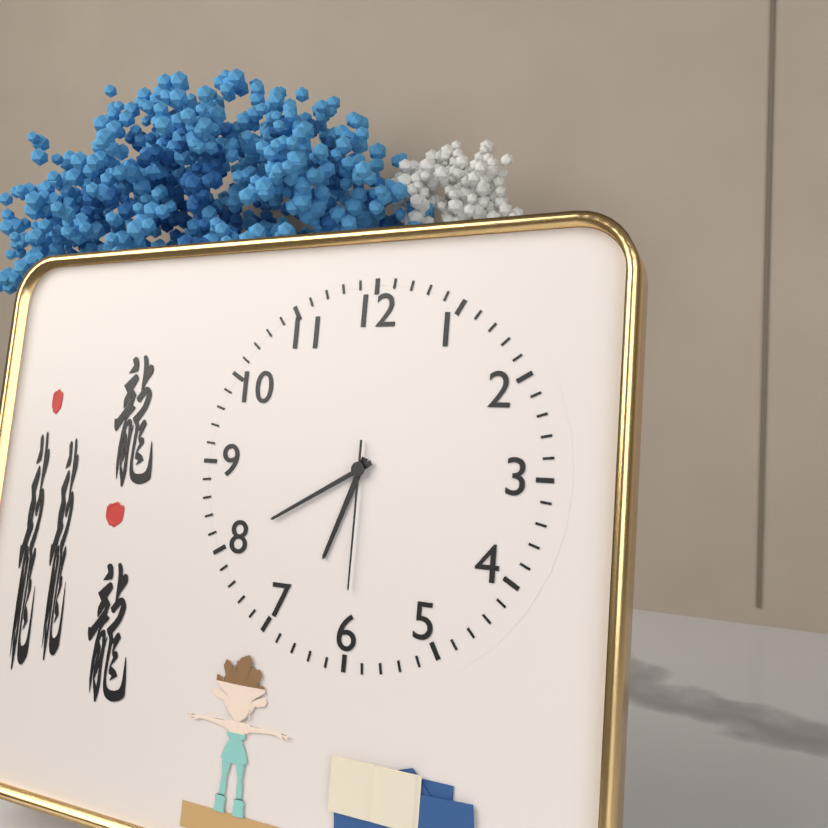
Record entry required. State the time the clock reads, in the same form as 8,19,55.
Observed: 6,40,30
